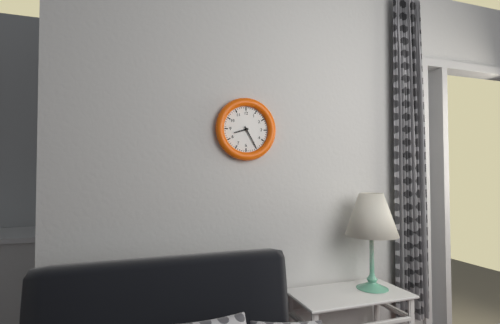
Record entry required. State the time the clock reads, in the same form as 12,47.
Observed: 8,25
